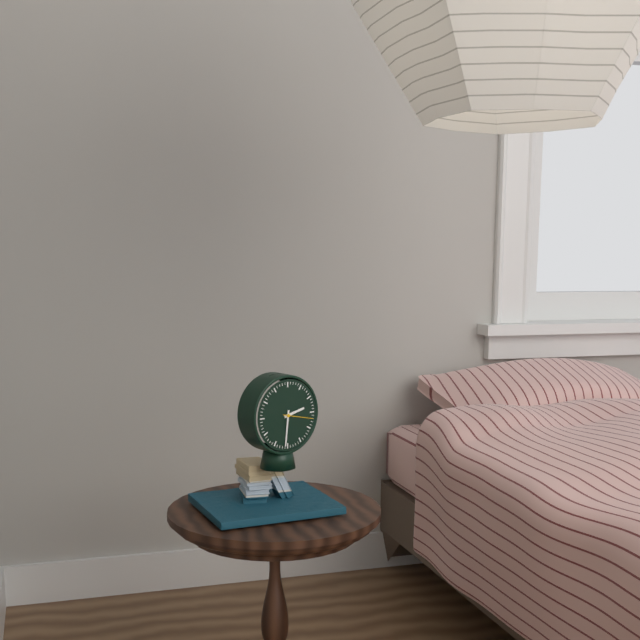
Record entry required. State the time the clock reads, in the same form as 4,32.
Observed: 2,31
